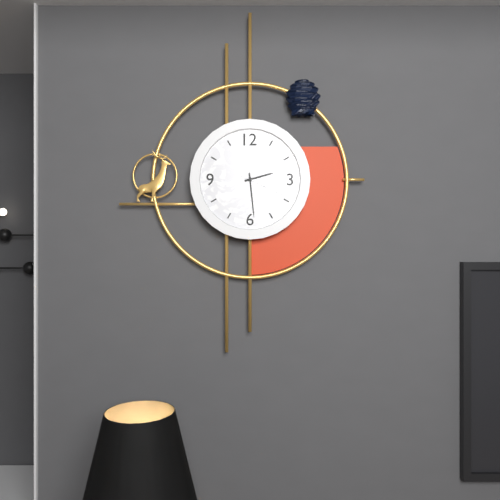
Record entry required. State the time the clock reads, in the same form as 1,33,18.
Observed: 2,29,19
